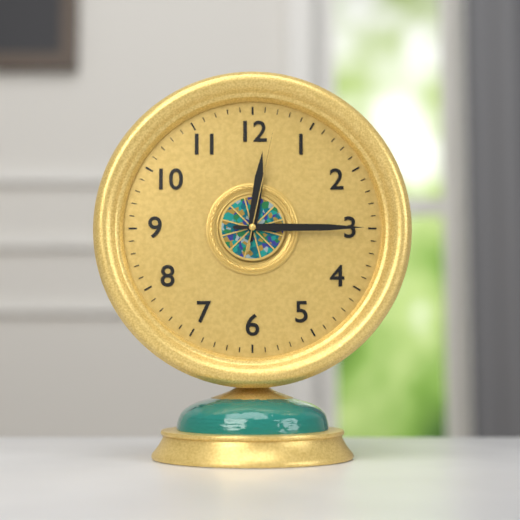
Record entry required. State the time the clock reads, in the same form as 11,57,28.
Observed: 12,15,02
